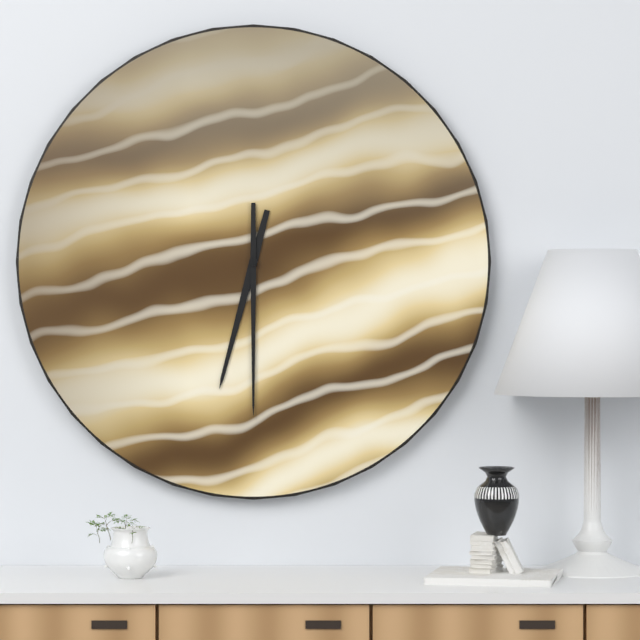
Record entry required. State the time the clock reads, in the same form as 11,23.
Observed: 6,30
